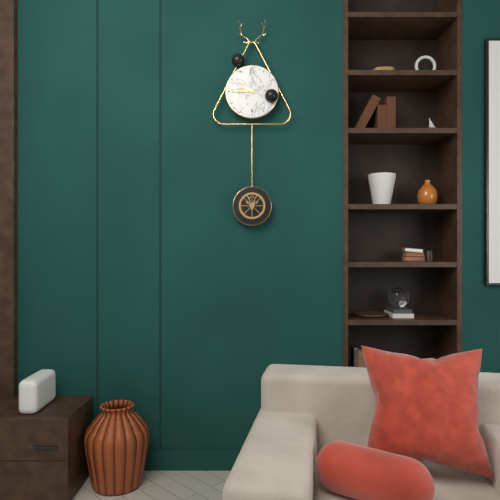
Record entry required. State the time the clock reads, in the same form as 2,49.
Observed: 9,45
